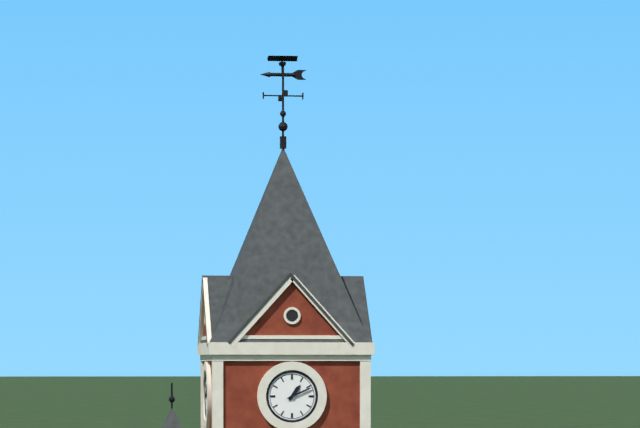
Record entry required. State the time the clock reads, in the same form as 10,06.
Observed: 1,11
